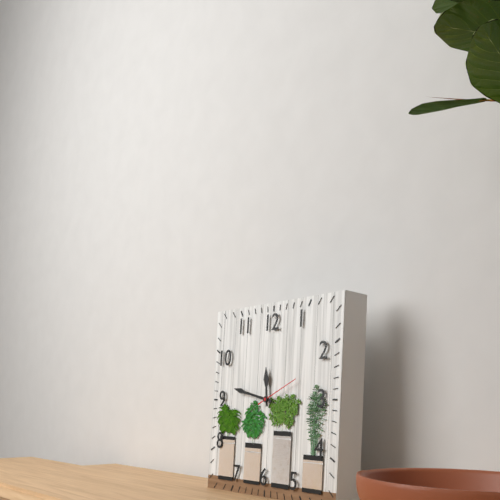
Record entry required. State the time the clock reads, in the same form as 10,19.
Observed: 11,47
